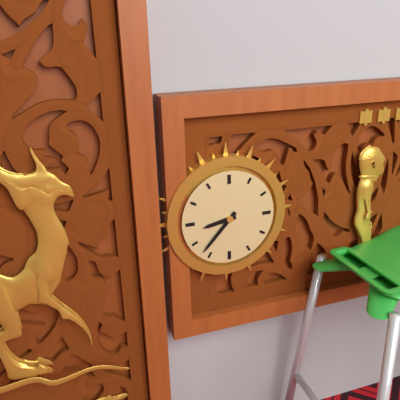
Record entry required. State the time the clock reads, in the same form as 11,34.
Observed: 8,37
